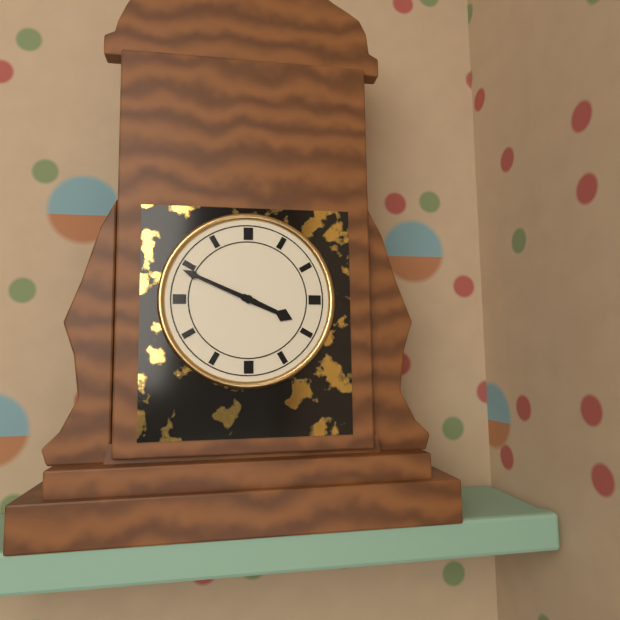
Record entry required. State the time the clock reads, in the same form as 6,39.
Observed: 3,49
